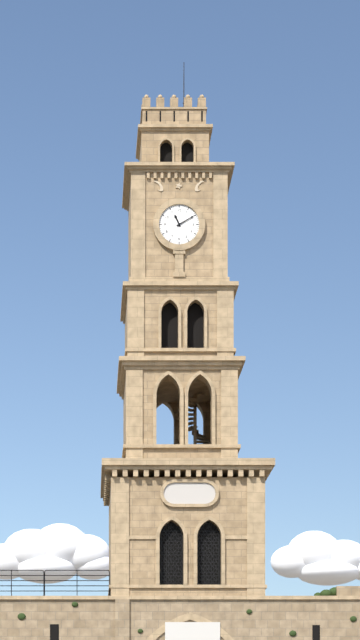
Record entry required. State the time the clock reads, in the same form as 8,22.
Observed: 11,10
